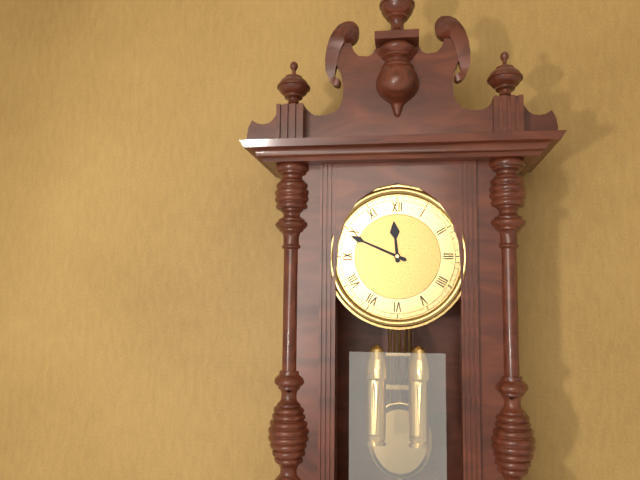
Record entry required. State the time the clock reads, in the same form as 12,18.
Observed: 11,49
